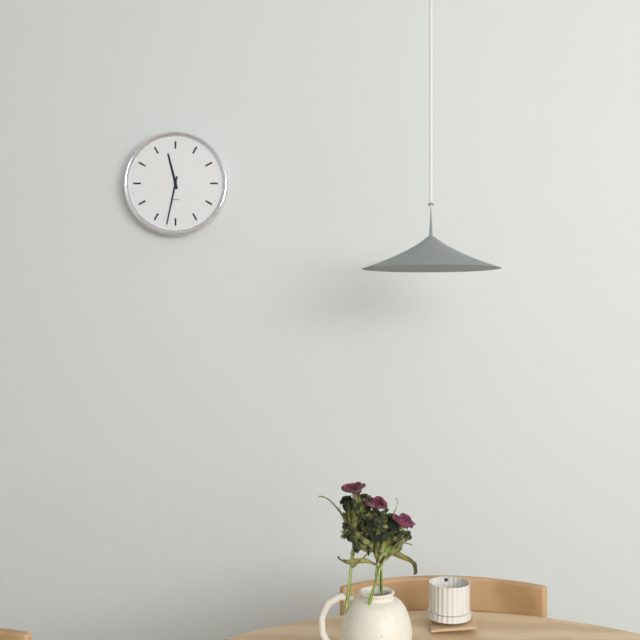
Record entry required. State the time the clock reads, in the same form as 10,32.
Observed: 11,32
